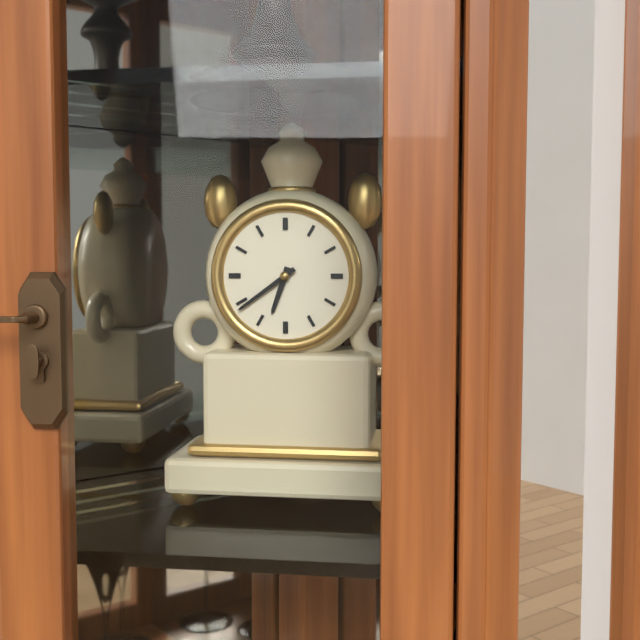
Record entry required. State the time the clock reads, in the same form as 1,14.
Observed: 6,39
